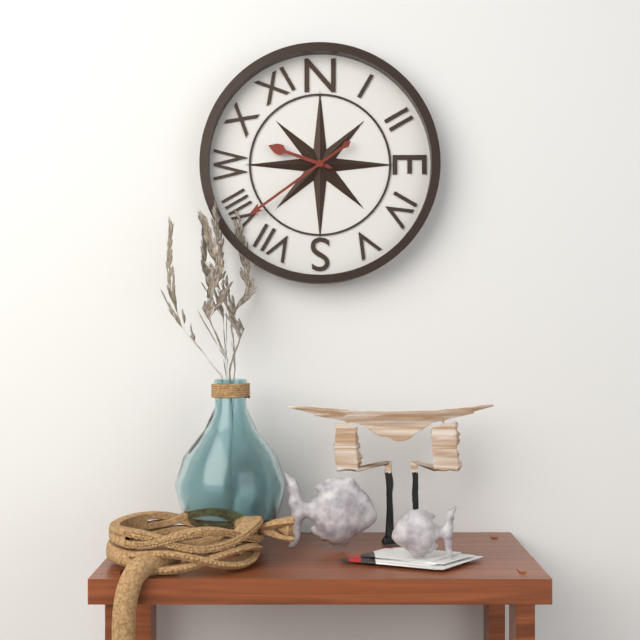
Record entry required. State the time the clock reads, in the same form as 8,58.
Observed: 9,39
